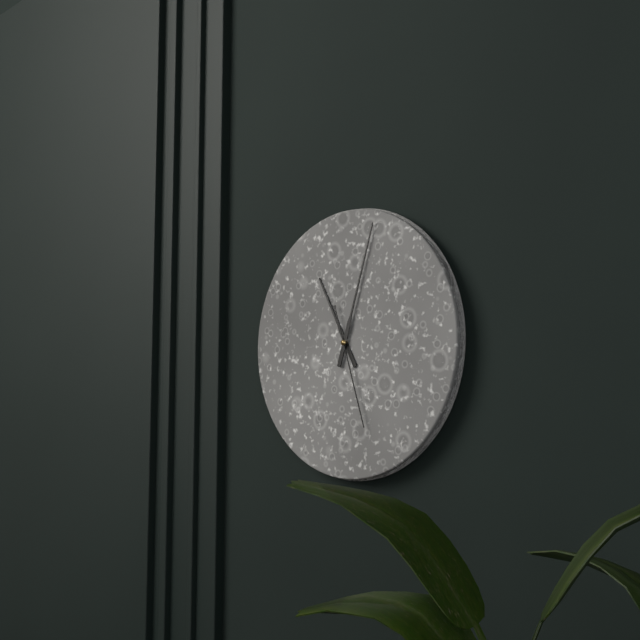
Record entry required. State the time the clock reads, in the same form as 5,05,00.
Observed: 11,03,27
